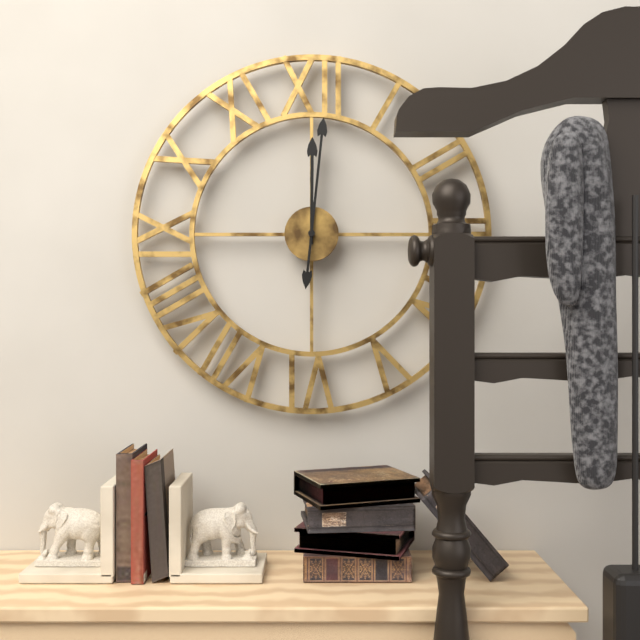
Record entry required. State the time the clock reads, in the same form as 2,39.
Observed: 12,01
